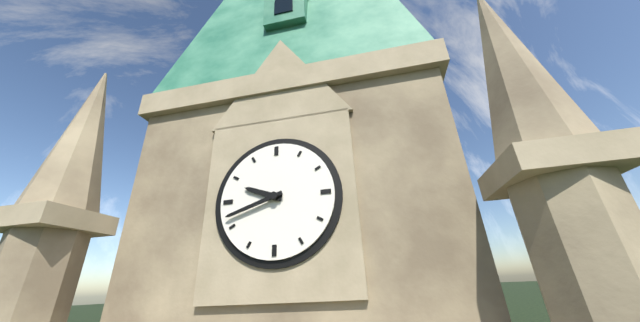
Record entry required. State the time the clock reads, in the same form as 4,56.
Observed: 9,42
